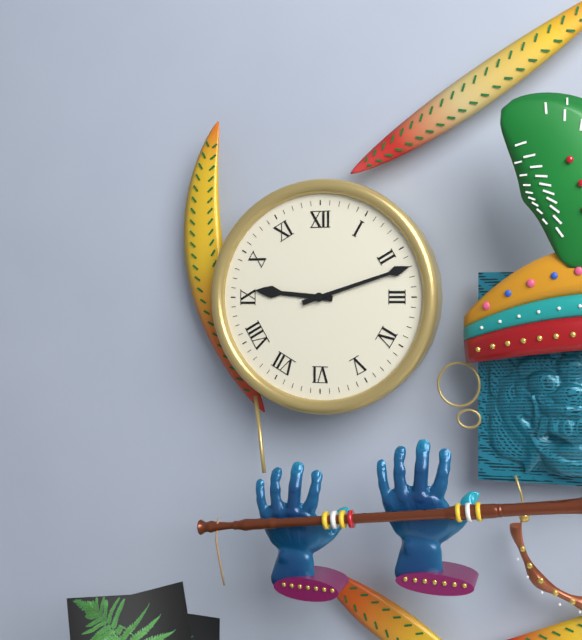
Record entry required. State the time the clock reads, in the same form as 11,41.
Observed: 9,12
